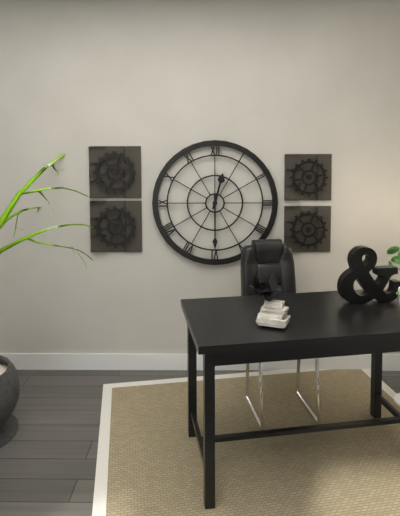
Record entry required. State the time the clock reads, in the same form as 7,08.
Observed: 12,30
